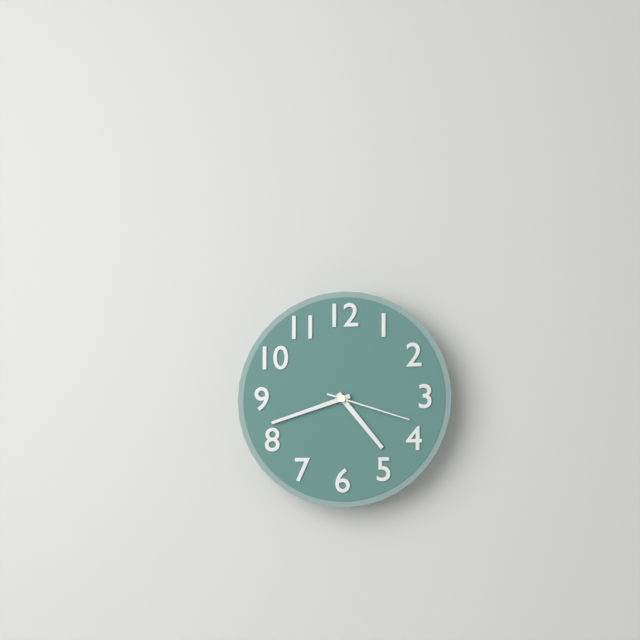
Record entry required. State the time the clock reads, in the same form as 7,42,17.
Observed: 4,42,18
